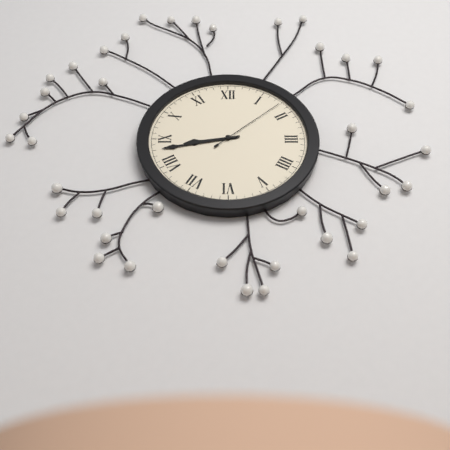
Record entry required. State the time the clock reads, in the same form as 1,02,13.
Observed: 8,43,08
